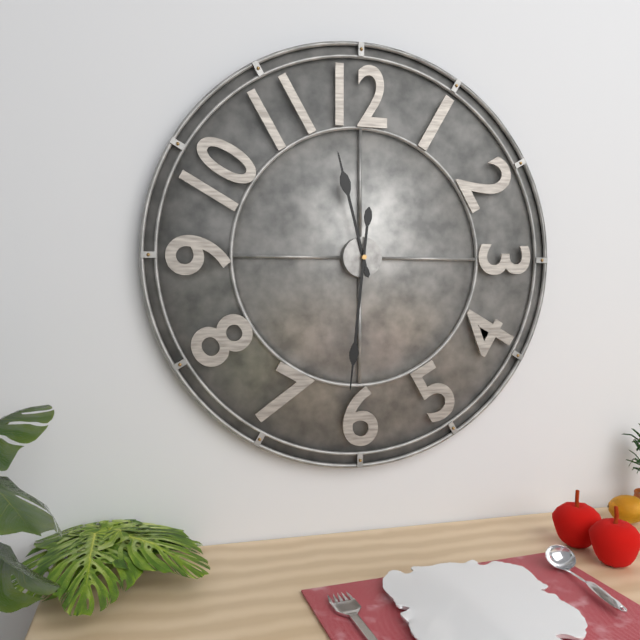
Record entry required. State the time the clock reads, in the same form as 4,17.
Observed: 11,31
